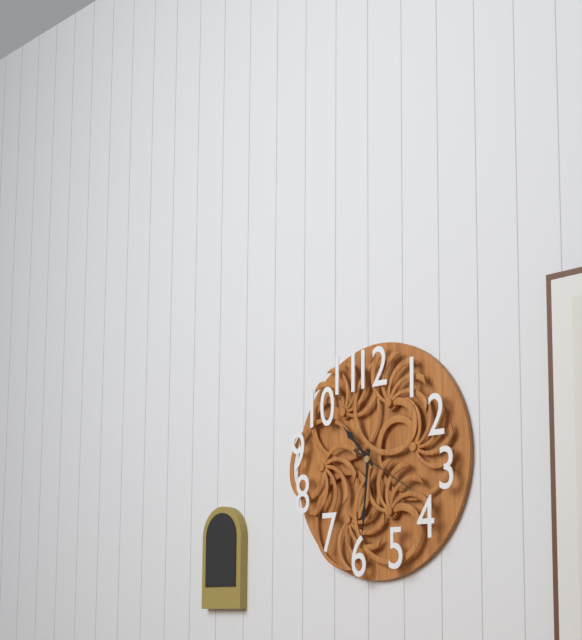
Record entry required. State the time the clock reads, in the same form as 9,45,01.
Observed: 10,31,20
